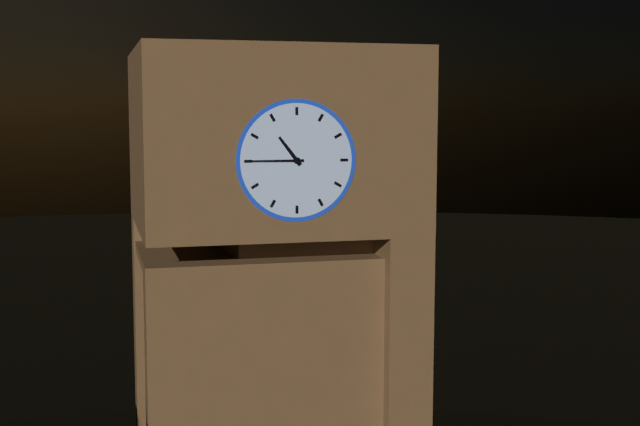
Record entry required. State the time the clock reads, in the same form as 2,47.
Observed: 10,45
